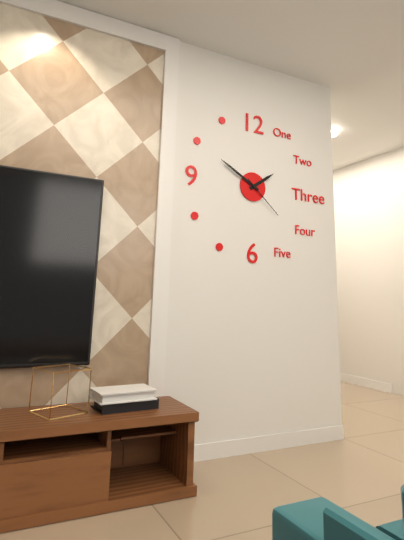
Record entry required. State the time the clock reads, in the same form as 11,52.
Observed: 1,50
